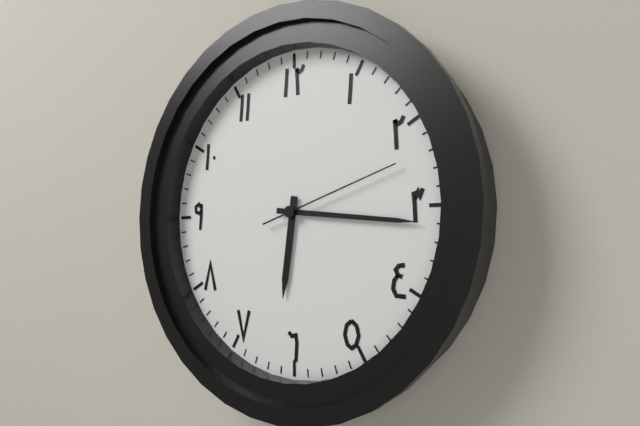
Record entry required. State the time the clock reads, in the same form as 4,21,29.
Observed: 6,16,12
